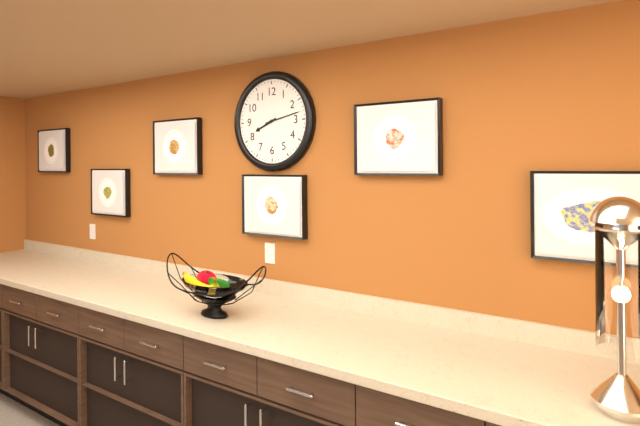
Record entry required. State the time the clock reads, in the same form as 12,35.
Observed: 8,13
